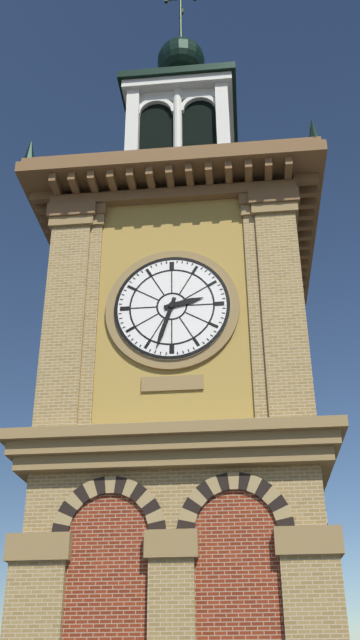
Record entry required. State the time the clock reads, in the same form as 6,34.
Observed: 2,33
